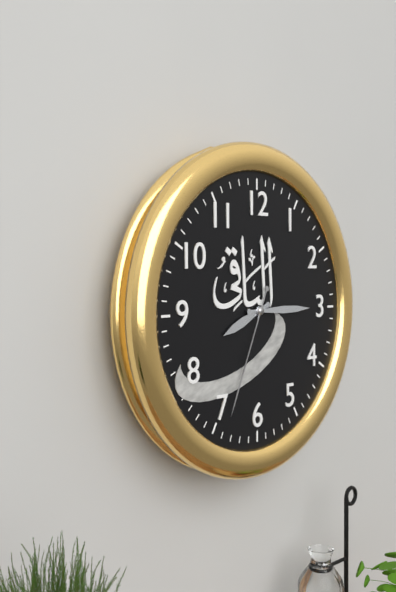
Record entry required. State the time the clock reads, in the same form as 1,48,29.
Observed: 8,15,34
